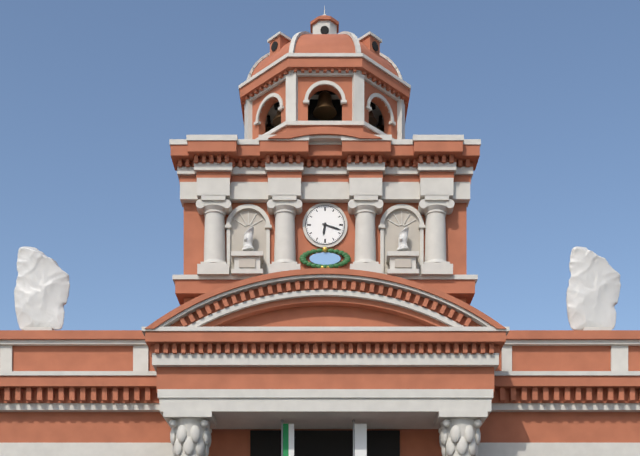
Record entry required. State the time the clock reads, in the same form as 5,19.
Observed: 6,18
